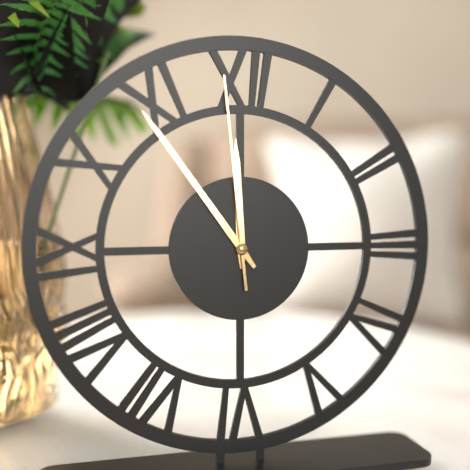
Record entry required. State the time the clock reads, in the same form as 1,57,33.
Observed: 11,54,59
